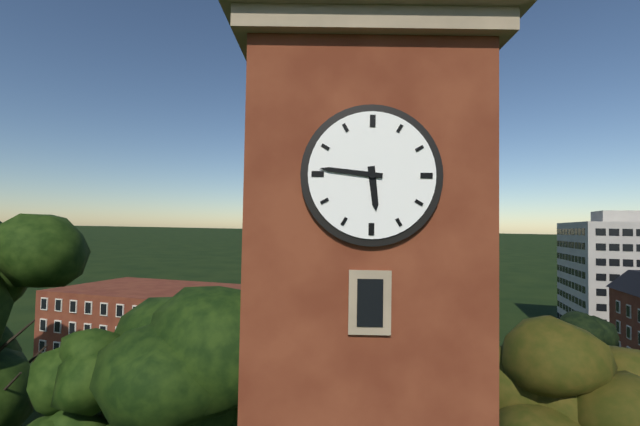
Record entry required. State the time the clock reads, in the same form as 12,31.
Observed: 5,46
